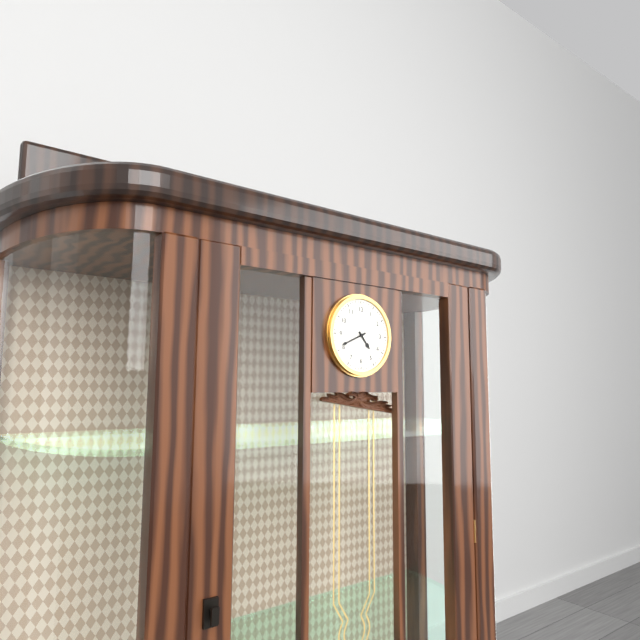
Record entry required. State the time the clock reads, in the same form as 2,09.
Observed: 4,41
